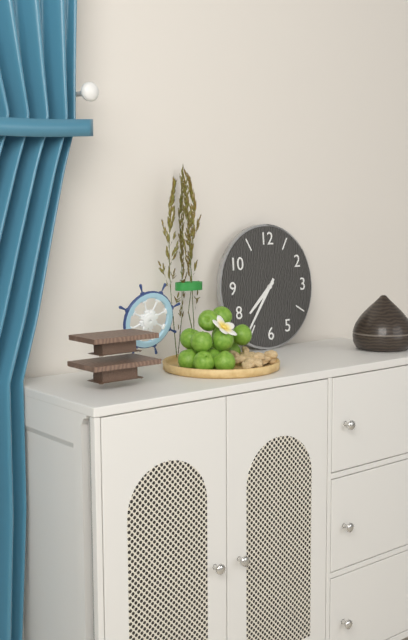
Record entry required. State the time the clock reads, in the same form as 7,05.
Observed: 7,36
